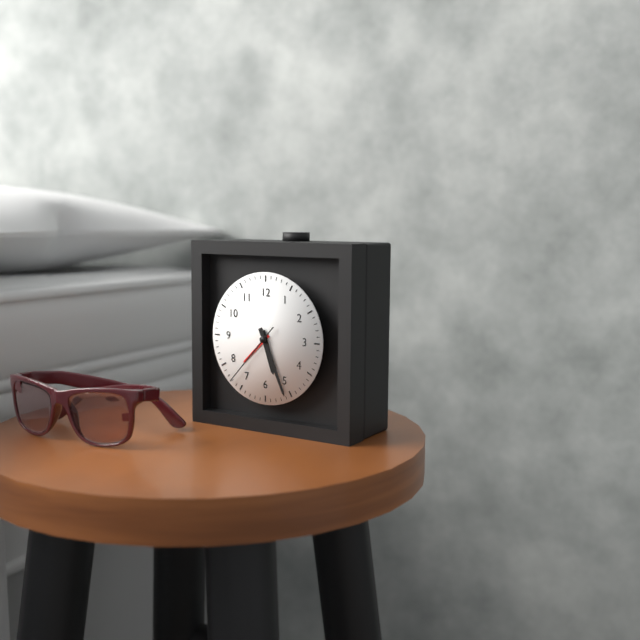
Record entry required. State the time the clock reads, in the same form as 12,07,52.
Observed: 5,26,37
